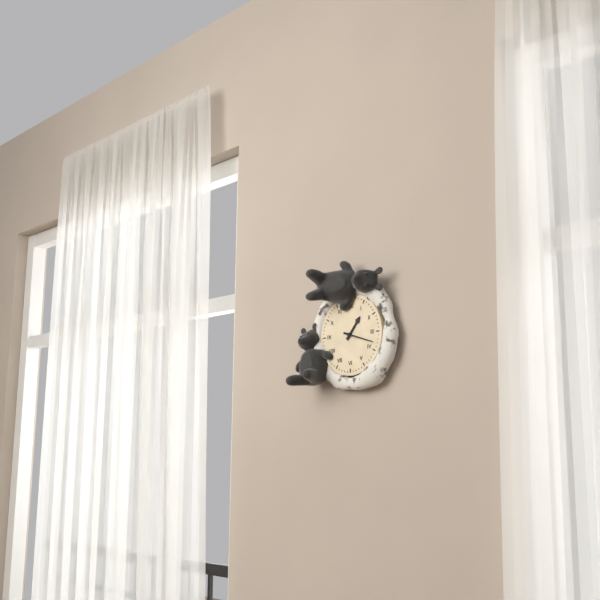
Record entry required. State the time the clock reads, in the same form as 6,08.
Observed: 1,18
